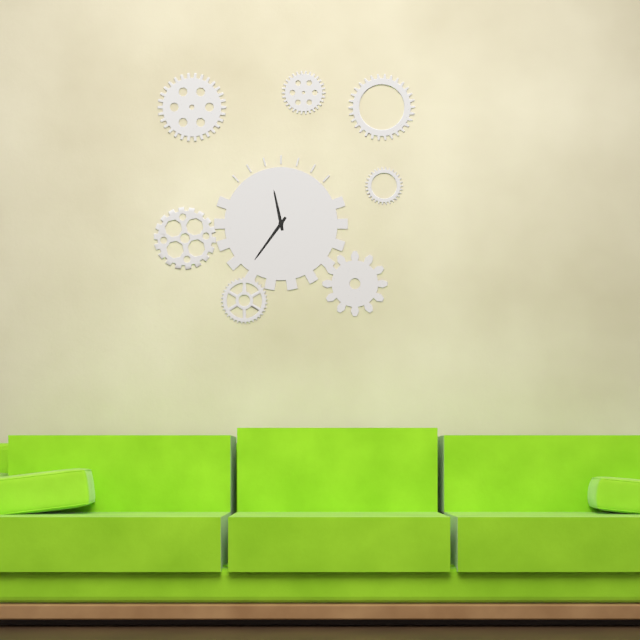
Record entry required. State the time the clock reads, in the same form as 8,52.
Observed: 11,36
